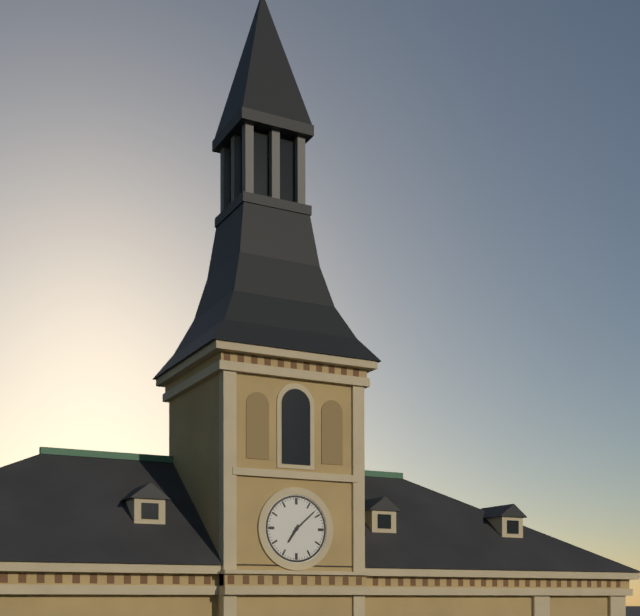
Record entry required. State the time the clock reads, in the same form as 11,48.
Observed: 7,08
